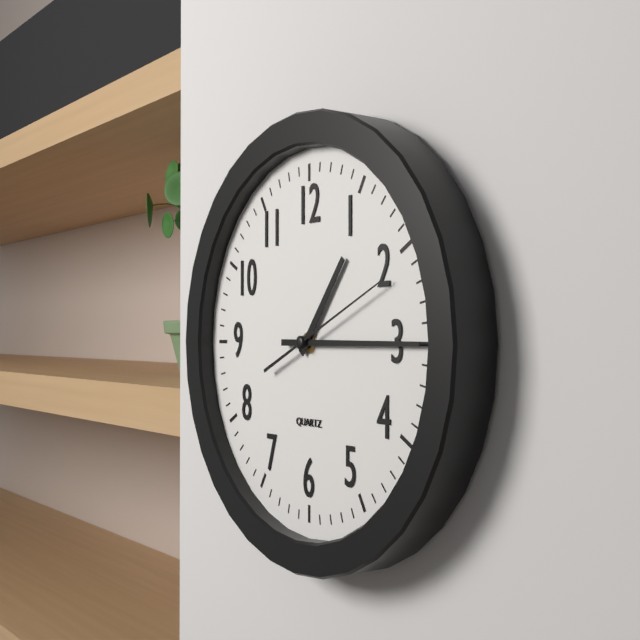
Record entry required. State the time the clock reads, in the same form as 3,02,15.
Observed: 1,15,11
